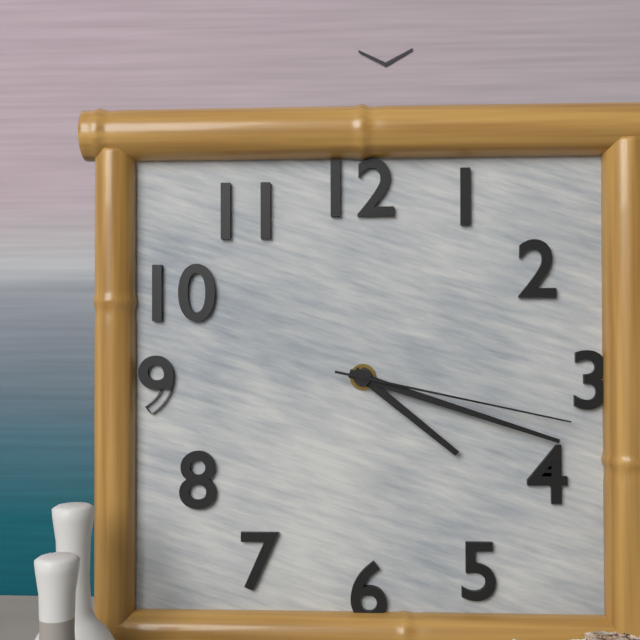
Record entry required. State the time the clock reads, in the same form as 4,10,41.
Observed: 4,18,17
